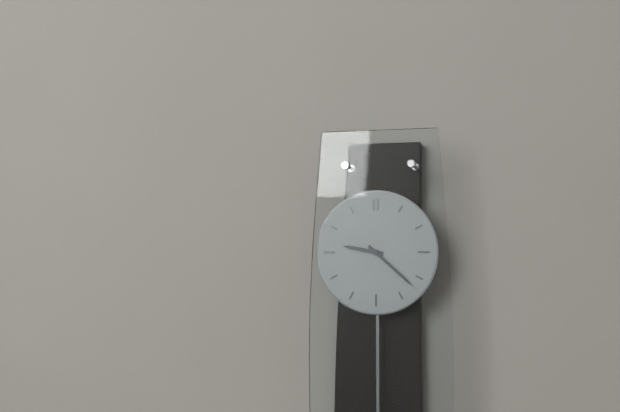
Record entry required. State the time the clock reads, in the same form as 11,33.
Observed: 9,22
